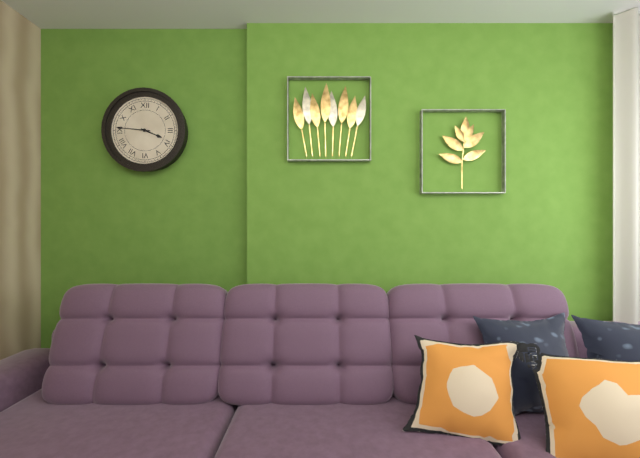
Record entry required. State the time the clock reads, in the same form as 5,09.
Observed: 3,46
